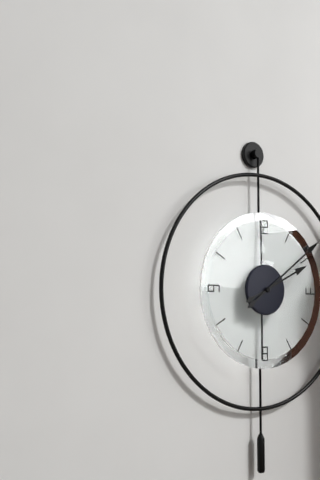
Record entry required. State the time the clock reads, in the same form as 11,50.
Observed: 2,09
